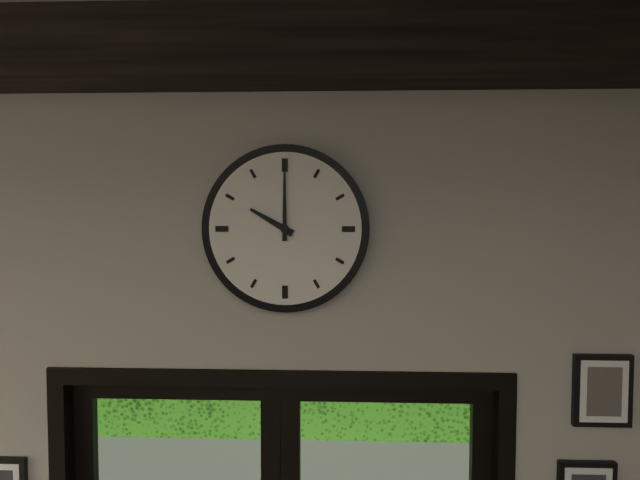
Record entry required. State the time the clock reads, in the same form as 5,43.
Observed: 10,00
